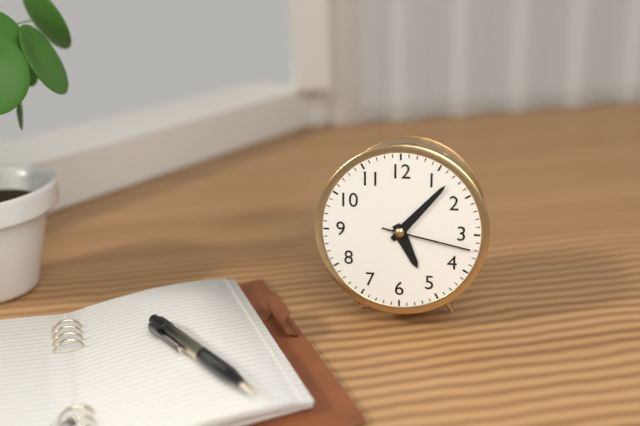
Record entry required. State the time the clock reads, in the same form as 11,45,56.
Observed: 5,07,17
